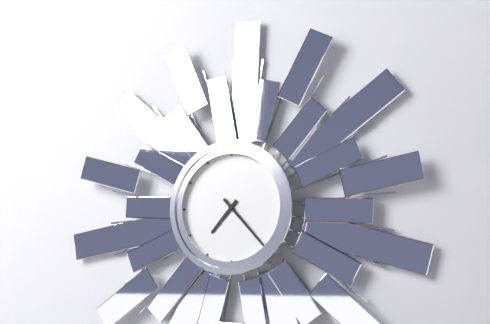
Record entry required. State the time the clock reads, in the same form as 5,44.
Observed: 7,23
